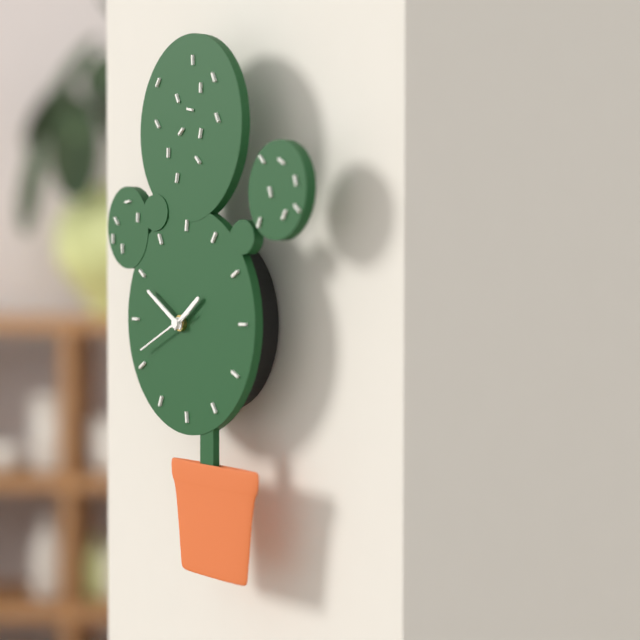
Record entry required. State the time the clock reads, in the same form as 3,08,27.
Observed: 1,50,41
